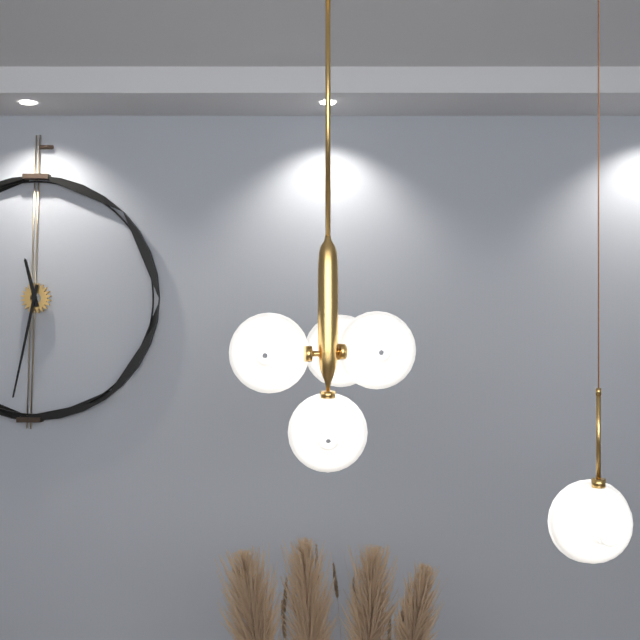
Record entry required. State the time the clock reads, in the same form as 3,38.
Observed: 11,32
